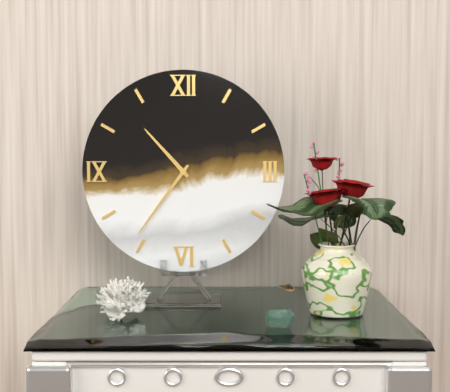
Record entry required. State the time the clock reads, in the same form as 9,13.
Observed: 10,36
